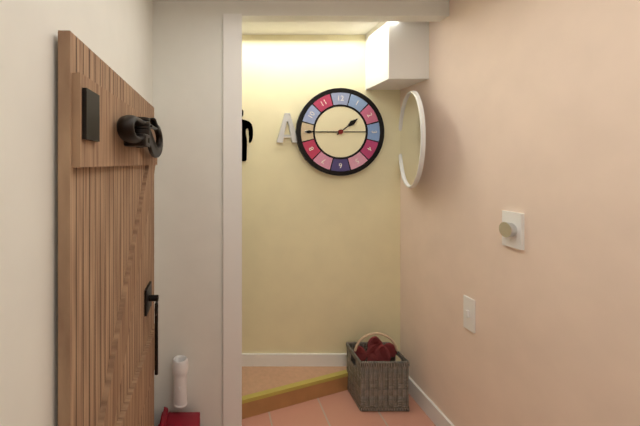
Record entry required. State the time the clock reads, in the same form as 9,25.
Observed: 1,45
